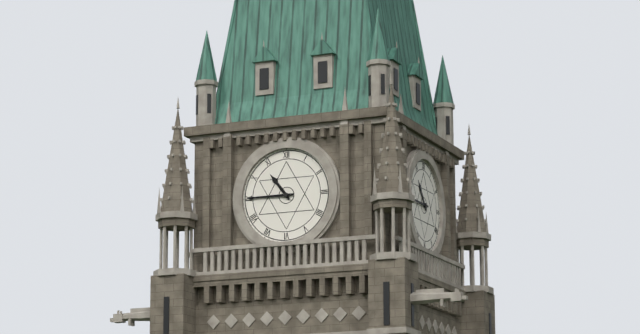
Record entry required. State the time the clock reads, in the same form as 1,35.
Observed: 10,45
